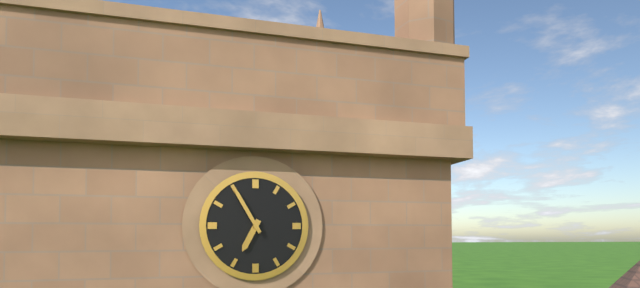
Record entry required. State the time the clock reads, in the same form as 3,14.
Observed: 6,55
